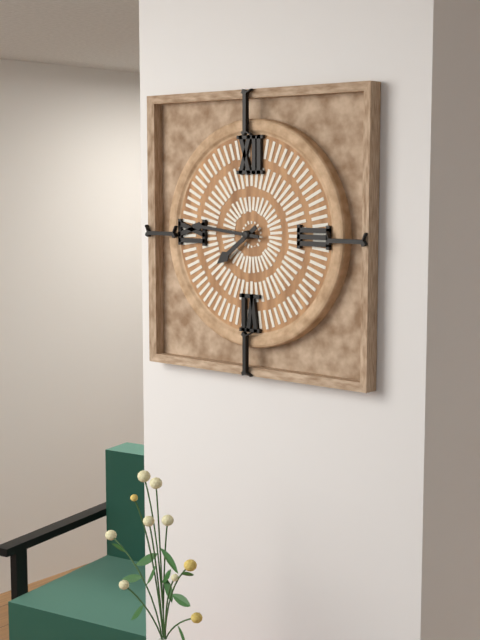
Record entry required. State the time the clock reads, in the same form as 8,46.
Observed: 7,46
